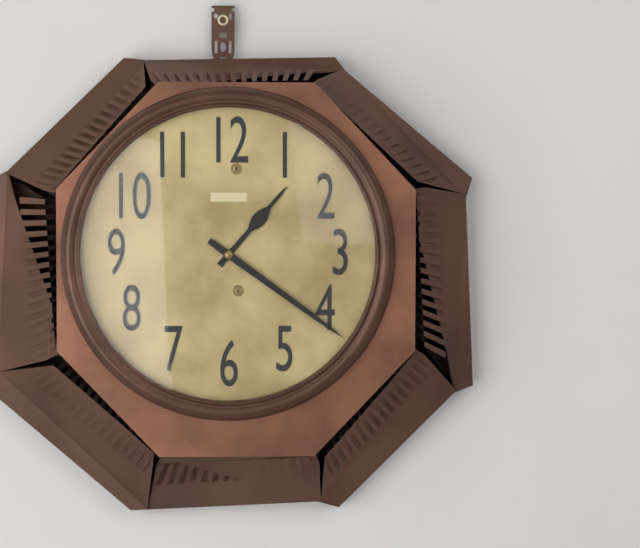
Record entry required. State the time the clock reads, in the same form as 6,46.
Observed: 1,21
